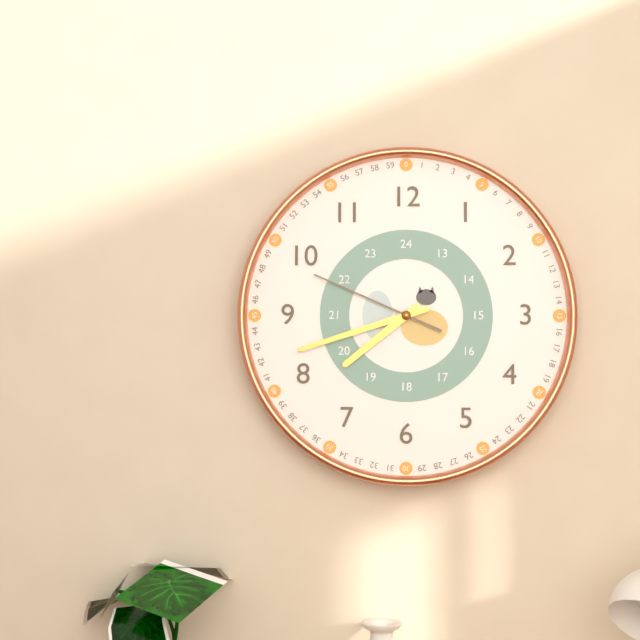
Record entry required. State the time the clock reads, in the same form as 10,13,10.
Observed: 7,42,49
